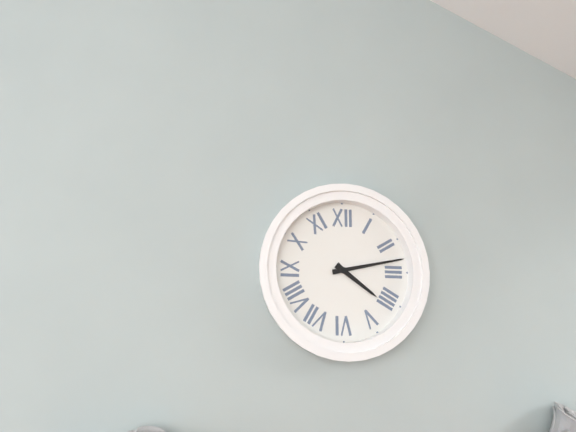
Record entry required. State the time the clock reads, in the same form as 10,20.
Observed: 4,13
